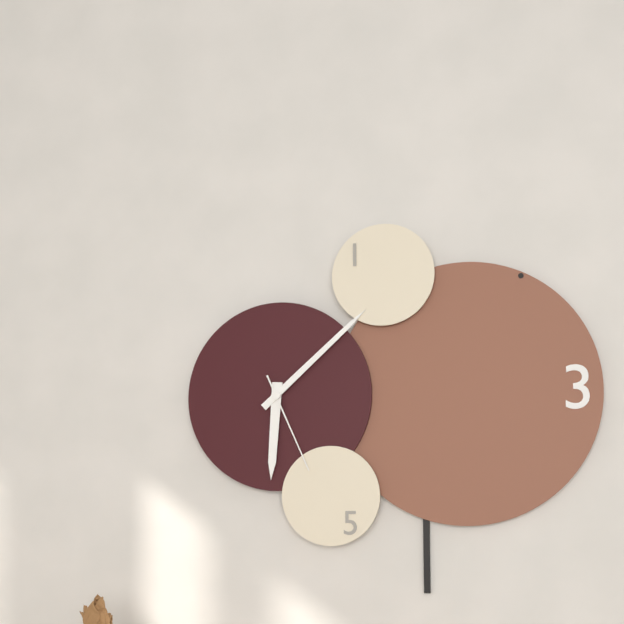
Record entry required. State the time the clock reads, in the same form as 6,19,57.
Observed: 6,08,26
